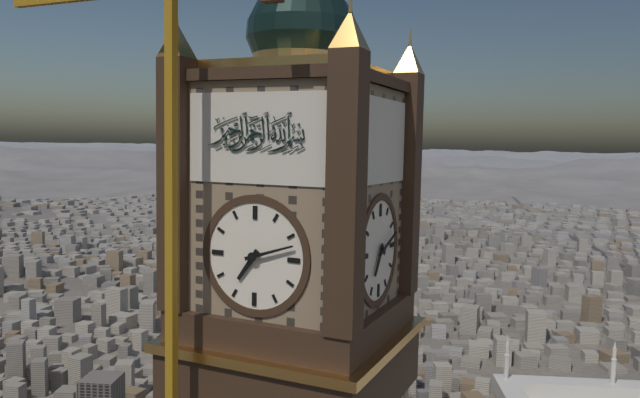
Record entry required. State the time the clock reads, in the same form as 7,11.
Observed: 7,12
